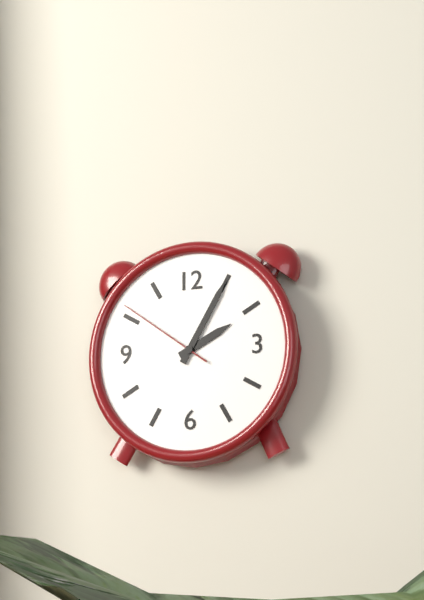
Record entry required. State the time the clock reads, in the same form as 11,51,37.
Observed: 2,05,51
